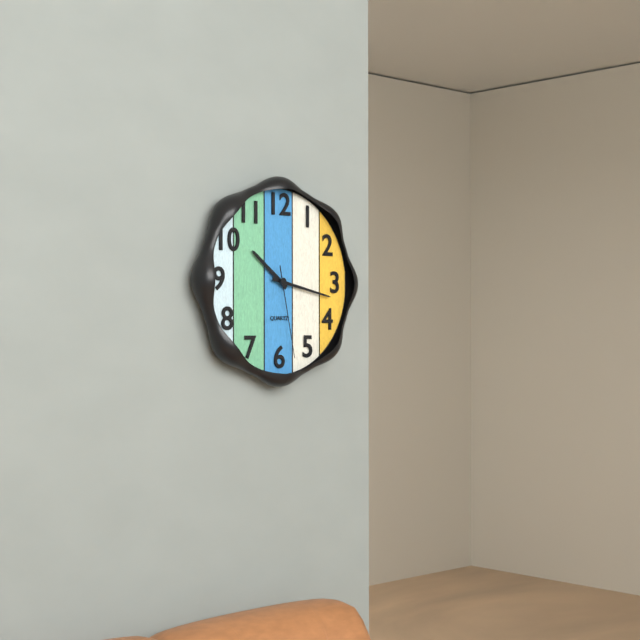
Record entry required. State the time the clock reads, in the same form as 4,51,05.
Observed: 10,17,28
